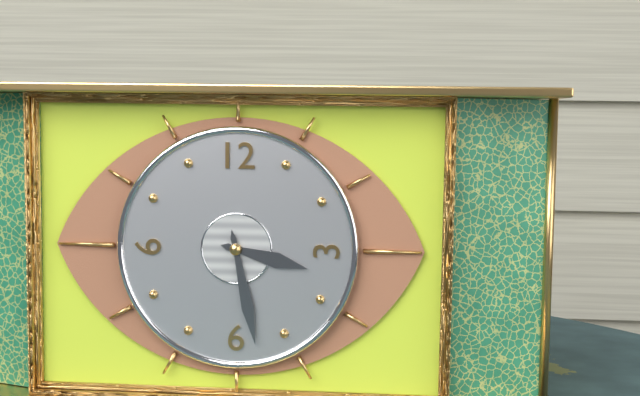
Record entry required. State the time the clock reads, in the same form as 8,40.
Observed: 3,28
